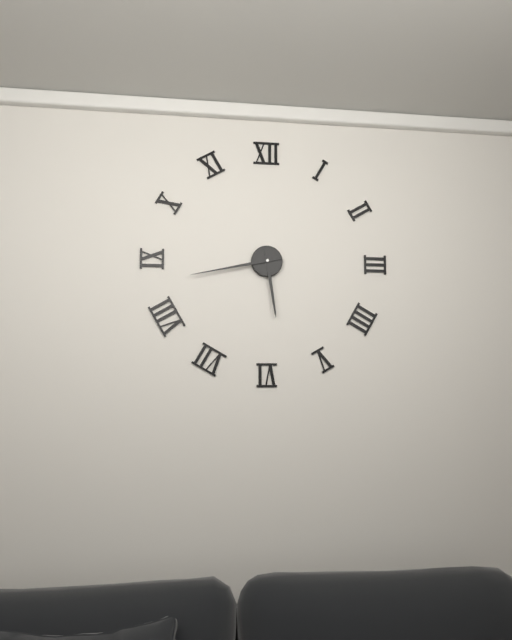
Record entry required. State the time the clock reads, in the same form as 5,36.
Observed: 5,43
